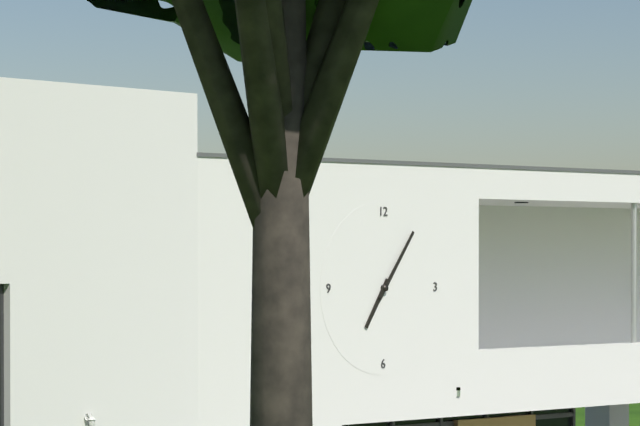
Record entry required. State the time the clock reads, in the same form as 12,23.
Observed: 7,06
